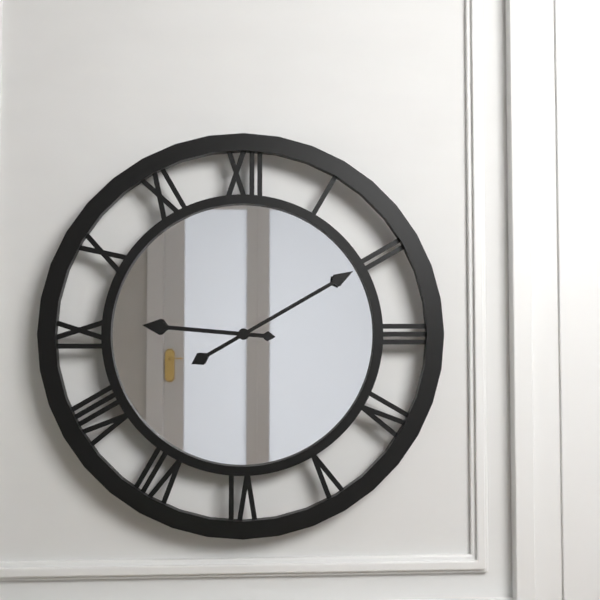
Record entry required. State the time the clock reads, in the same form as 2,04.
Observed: 9,10
